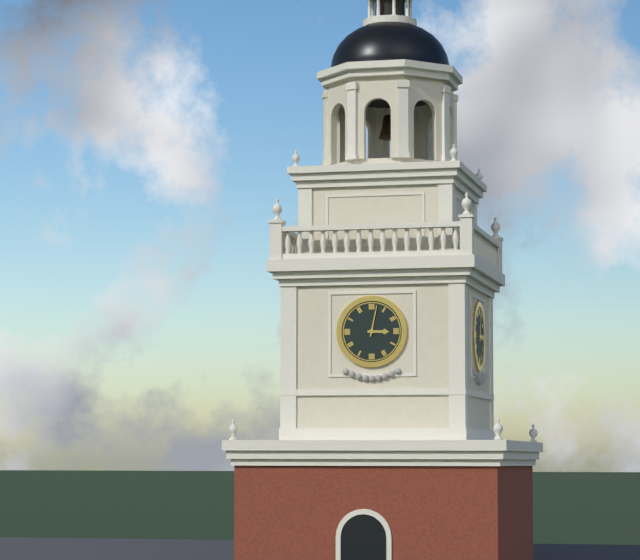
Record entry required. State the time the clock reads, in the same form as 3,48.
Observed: 3,02
